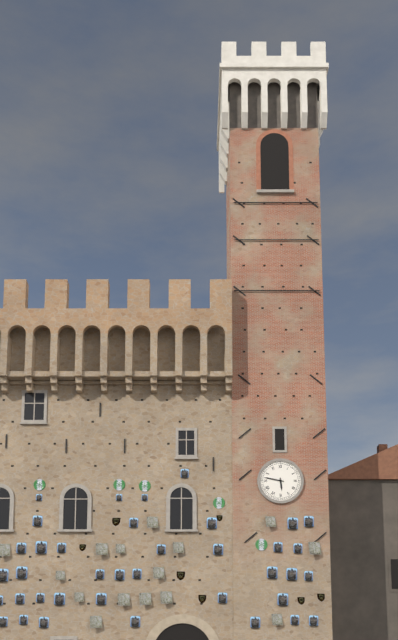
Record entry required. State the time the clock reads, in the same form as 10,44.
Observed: 5,47
